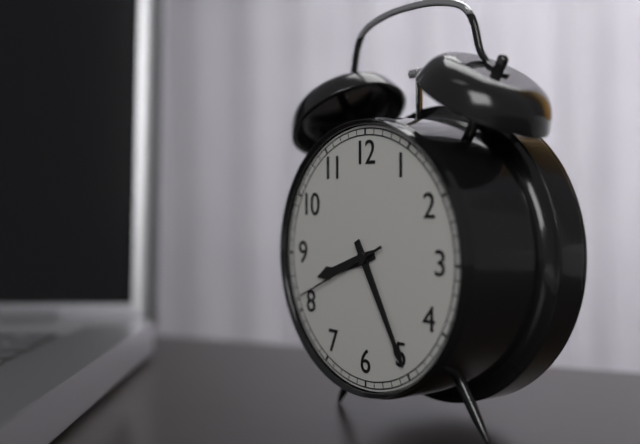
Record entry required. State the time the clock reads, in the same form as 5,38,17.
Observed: 8,25,41
